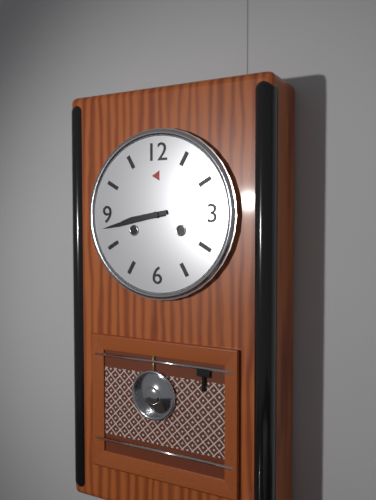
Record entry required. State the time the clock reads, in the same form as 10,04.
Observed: 8,43
